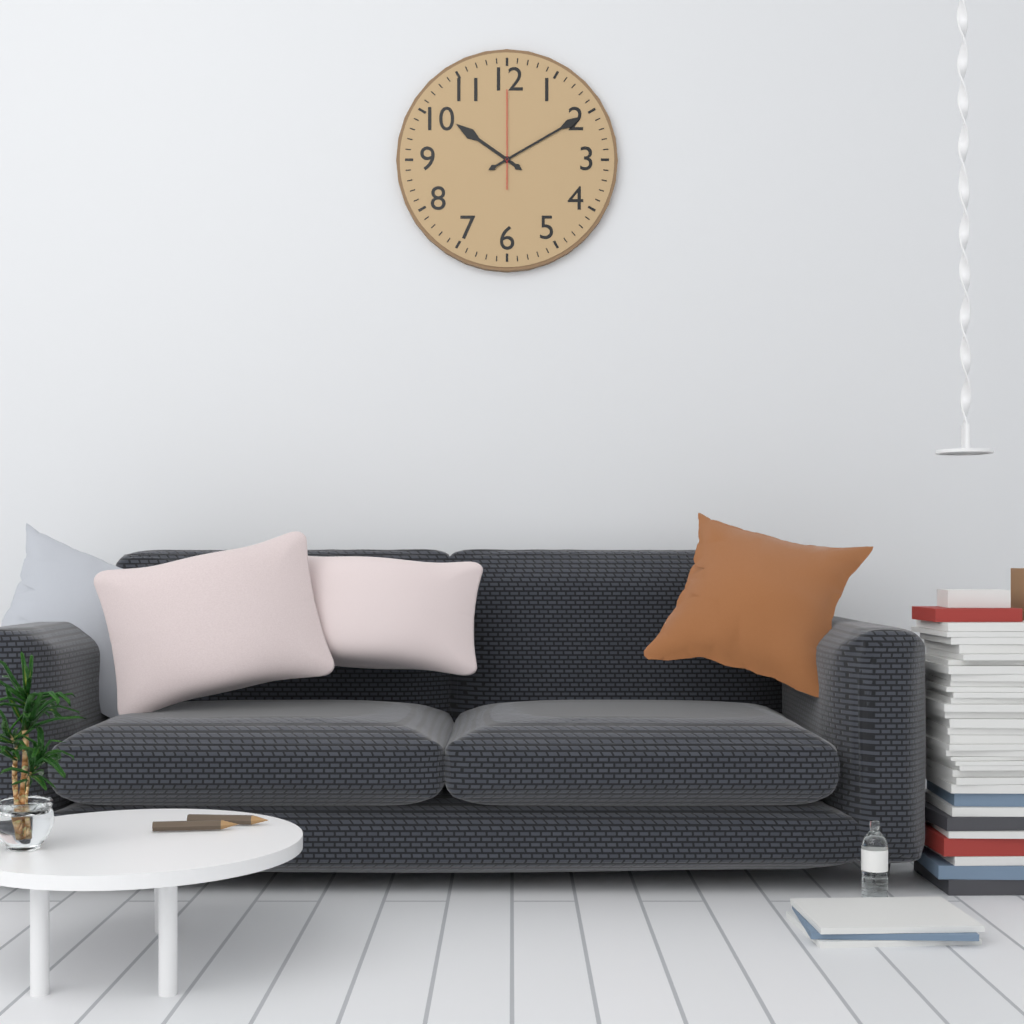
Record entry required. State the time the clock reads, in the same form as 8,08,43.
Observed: 10,10,00
